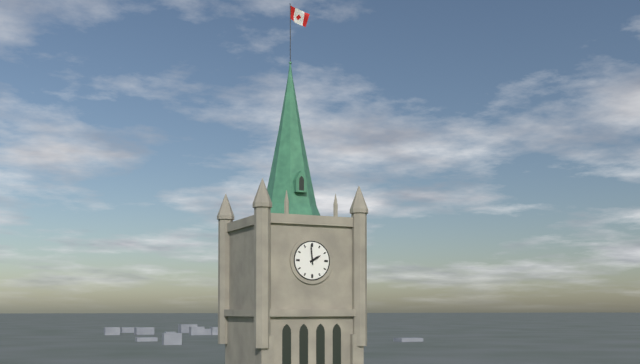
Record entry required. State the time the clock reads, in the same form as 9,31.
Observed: 1,59
